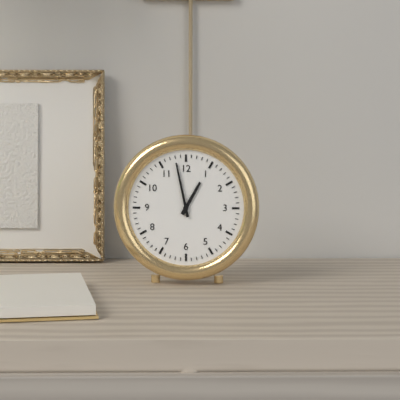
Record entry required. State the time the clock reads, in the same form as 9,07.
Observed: 12,58
